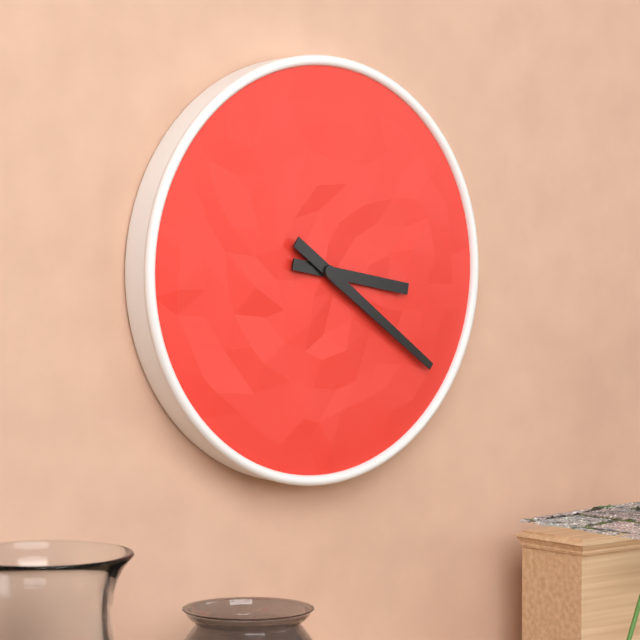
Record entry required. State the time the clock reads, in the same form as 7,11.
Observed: 3,21
